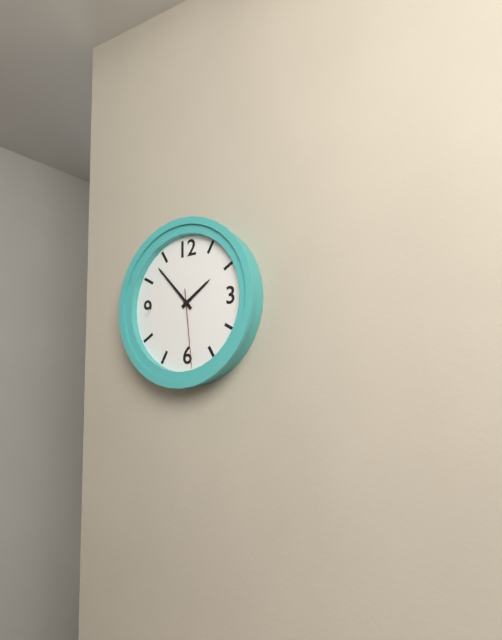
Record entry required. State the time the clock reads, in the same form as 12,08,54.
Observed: 1,53,29
